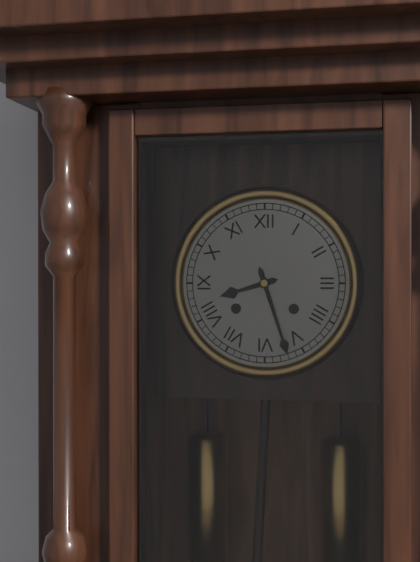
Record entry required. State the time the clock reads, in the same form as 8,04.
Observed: 8,27
